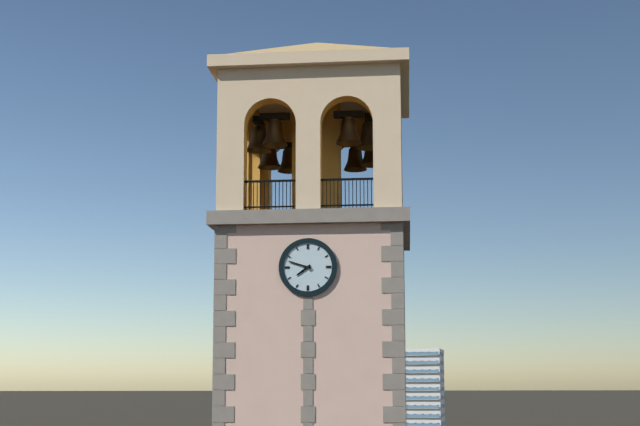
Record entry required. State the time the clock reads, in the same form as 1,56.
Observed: 7,48
